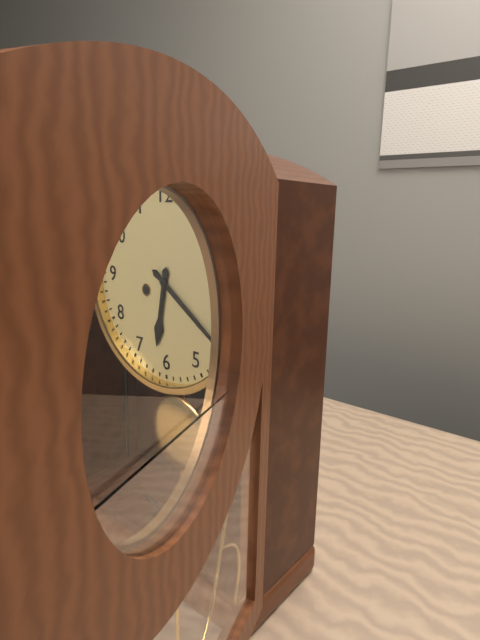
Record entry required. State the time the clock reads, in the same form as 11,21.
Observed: 6,21
